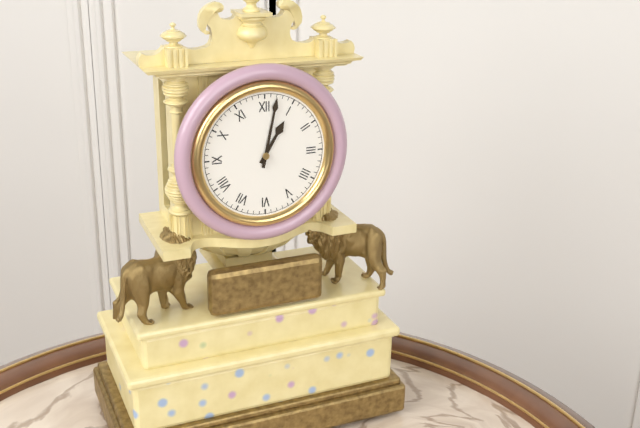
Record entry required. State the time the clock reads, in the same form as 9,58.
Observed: 1,02
